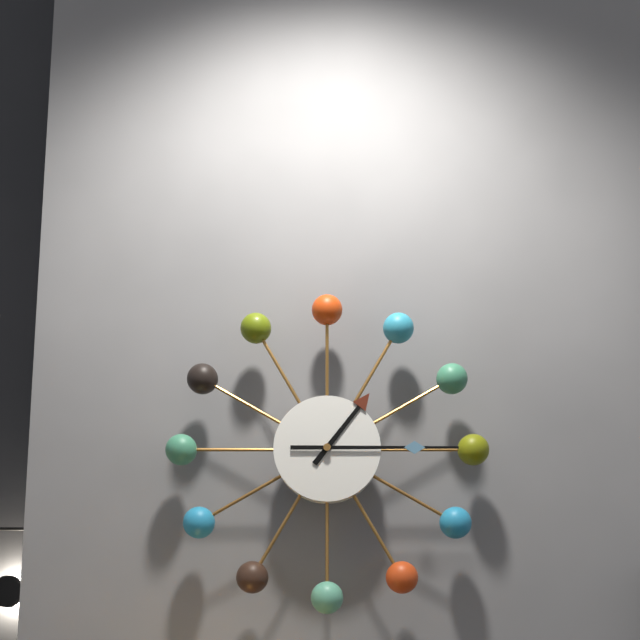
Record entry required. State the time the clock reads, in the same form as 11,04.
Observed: 1,15
